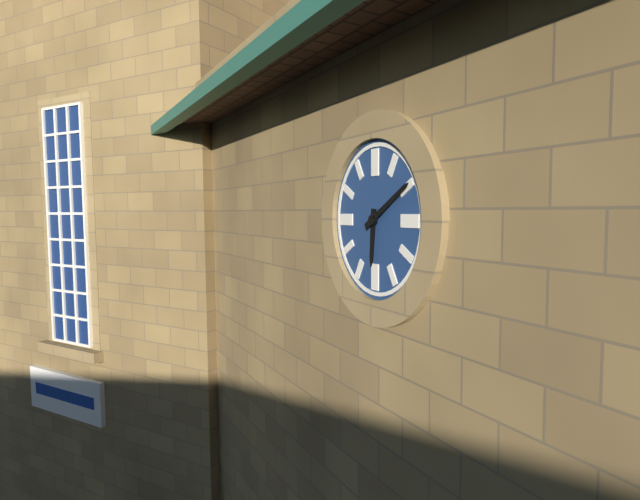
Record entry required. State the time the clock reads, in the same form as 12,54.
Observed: 6,10
